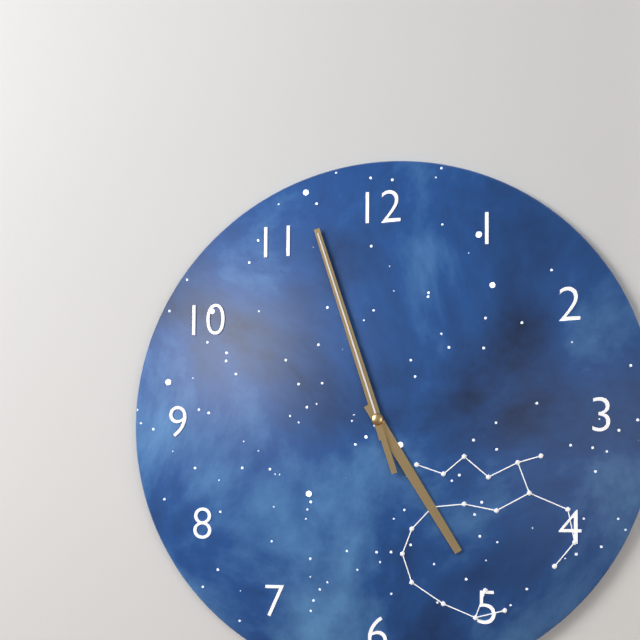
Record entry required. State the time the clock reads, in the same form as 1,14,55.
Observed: 4,57,57
